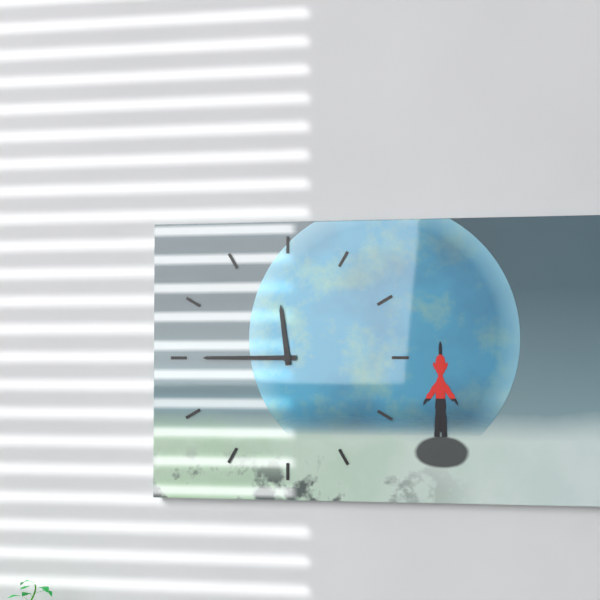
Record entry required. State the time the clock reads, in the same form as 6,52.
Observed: 11,45
